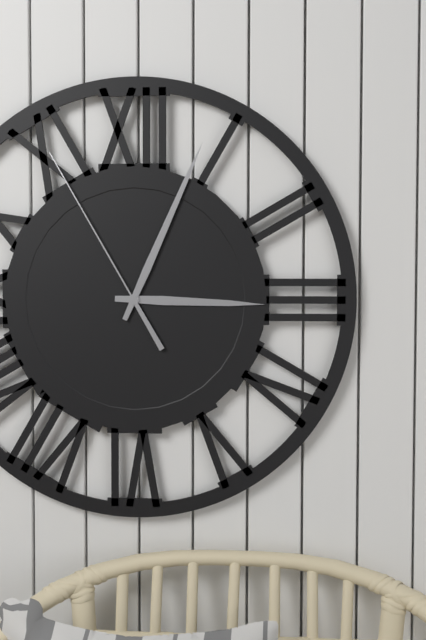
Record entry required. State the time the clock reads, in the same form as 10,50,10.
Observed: 3,04,55
